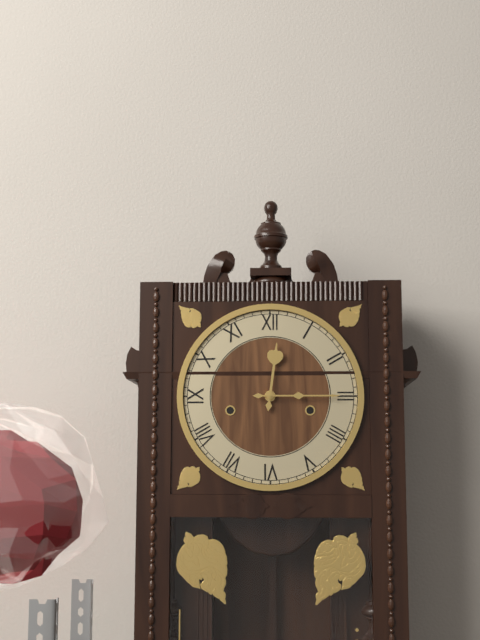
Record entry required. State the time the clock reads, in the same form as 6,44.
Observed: 12,15
